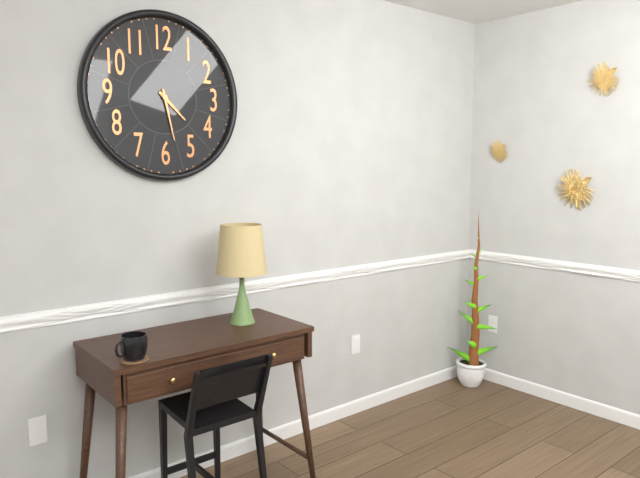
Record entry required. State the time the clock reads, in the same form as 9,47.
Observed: 4,28
